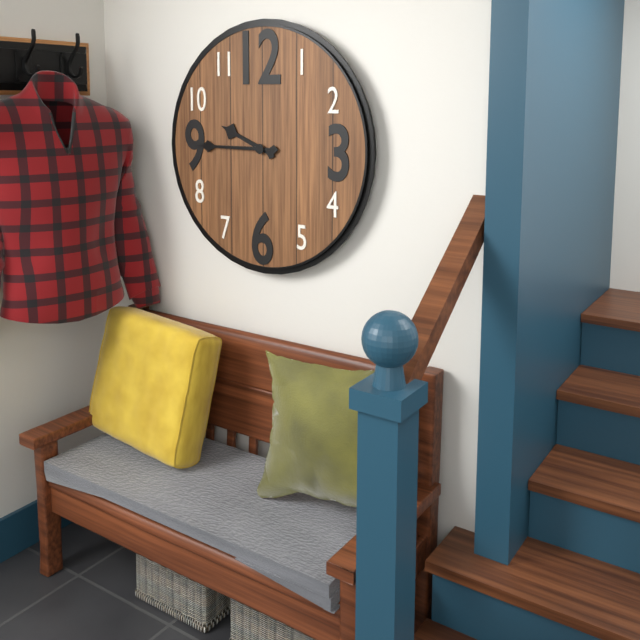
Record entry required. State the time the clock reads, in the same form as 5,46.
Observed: 9,45
